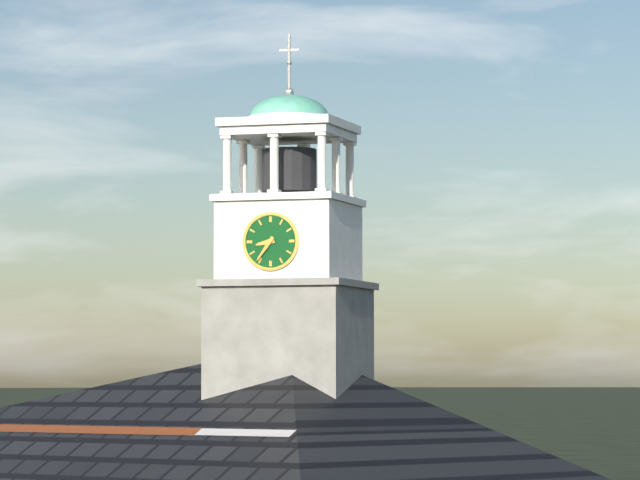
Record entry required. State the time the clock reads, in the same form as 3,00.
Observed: 8,36
